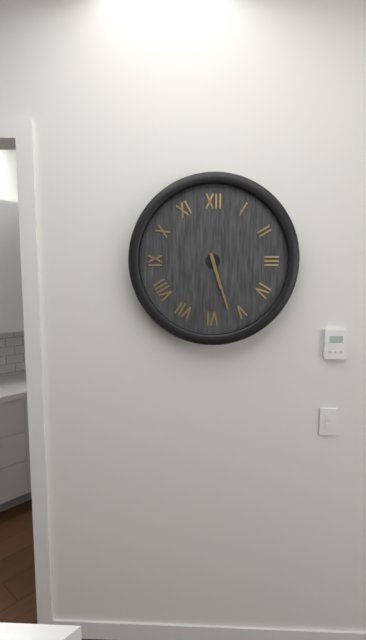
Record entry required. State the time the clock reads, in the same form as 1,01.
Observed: 5,27
